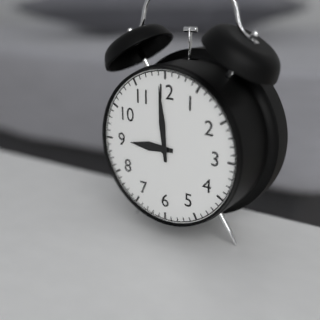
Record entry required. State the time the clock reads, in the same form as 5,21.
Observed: 8,59
